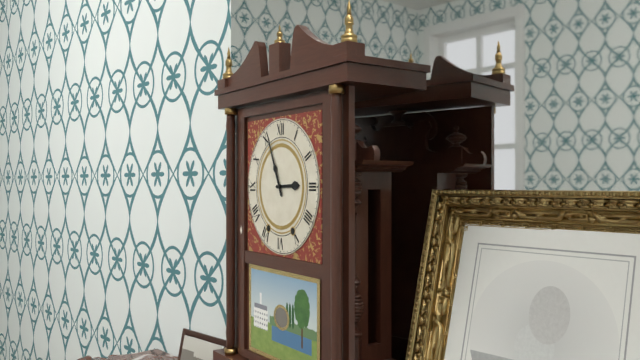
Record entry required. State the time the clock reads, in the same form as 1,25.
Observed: 2,56
